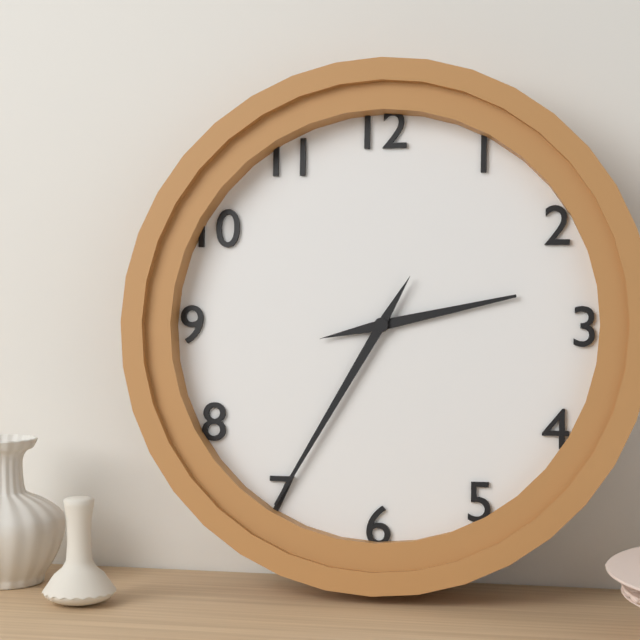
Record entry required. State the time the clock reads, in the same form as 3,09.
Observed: 2,35
